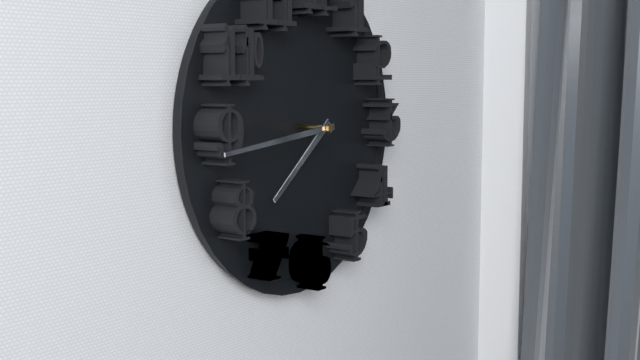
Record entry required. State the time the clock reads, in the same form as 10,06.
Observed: 7,44
